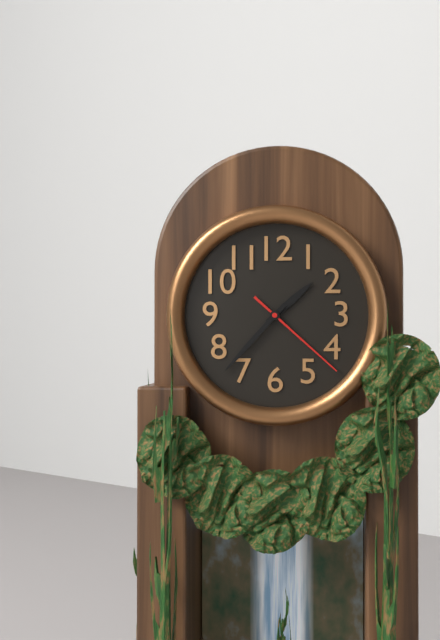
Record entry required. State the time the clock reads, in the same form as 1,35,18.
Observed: 1,37,22
